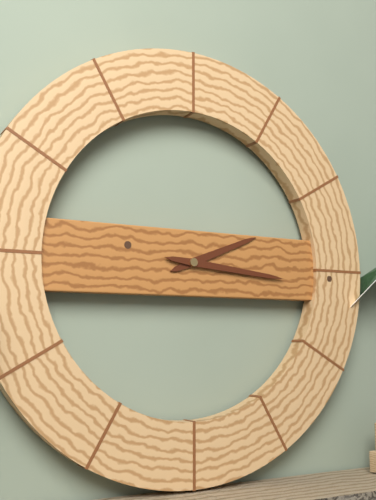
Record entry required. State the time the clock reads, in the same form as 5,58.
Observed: 2,16
